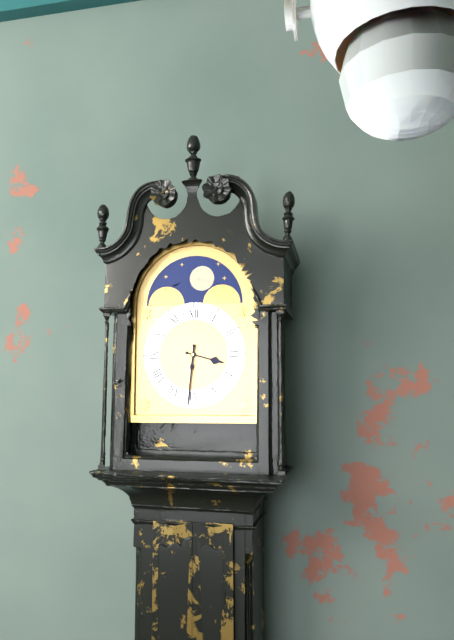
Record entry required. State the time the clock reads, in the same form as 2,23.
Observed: 3,31
